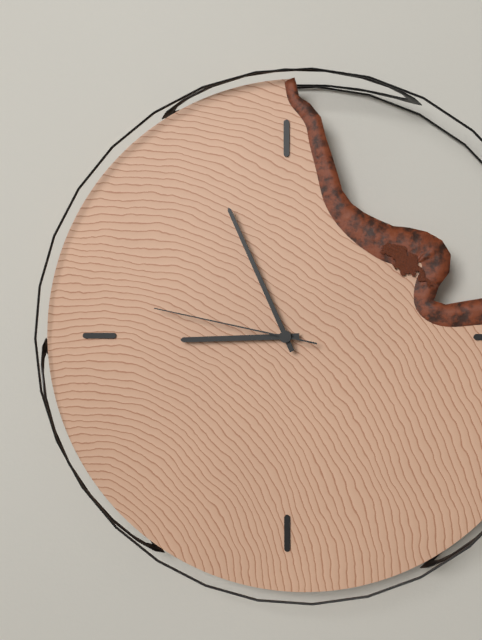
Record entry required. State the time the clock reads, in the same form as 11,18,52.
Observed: 8,56,47
